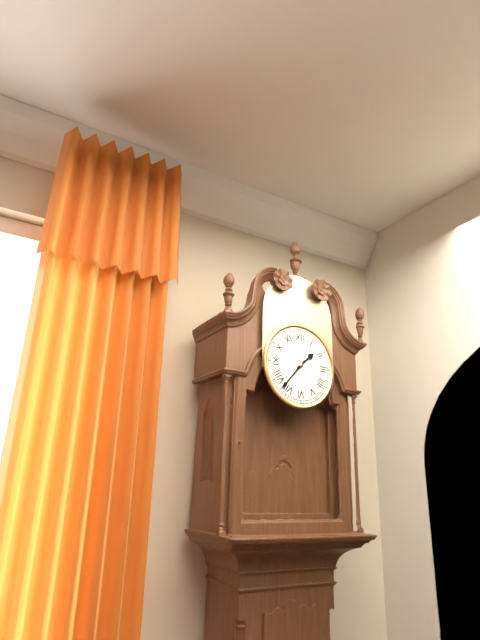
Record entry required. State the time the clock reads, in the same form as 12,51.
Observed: 1,37
